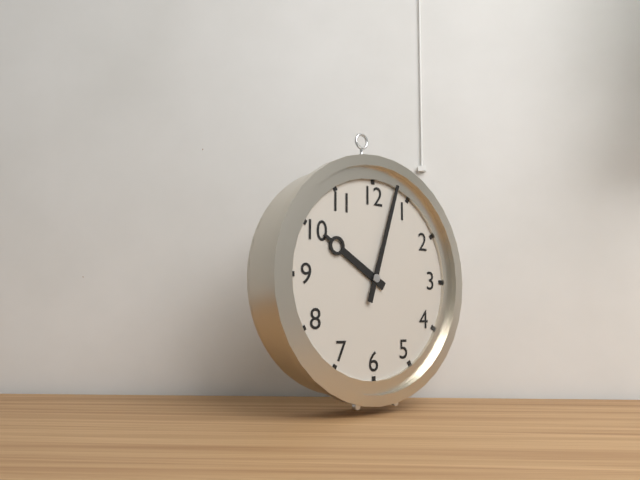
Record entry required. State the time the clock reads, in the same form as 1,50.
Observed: 10,03
